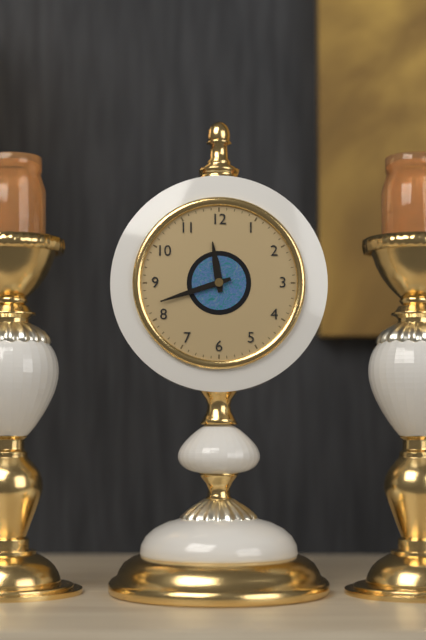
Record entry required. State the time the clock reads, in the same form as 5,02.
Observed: 11,42
